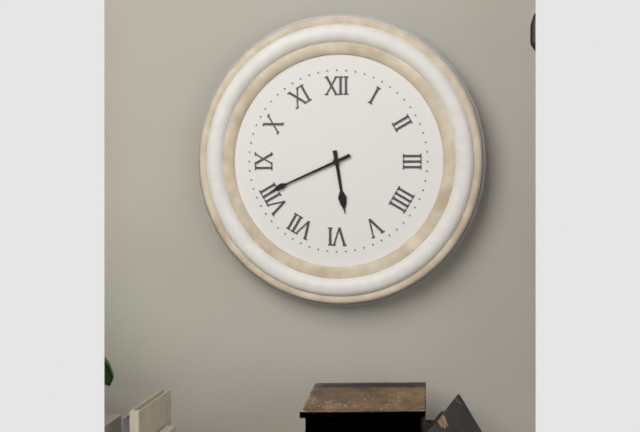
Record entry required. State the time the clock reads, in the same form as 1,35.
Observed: 5,41
